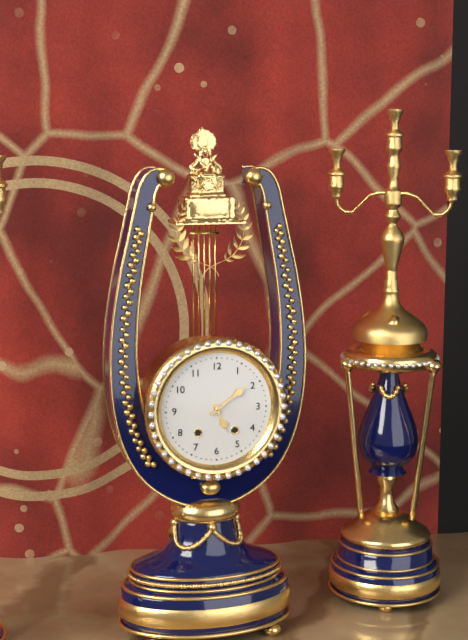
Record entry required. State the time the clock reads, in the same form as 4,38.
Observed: 5,09
